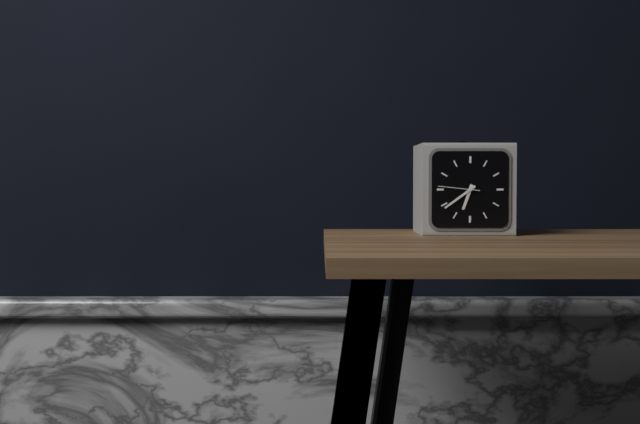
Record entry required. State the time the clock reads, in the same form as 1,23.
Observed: 6,39
